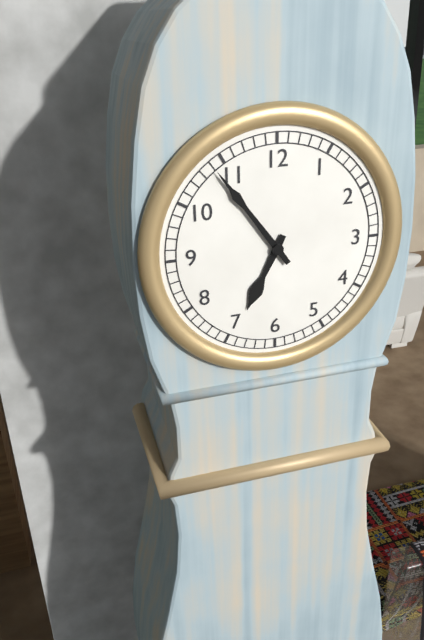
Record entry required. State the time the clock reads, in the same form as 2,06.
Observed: 6,54
